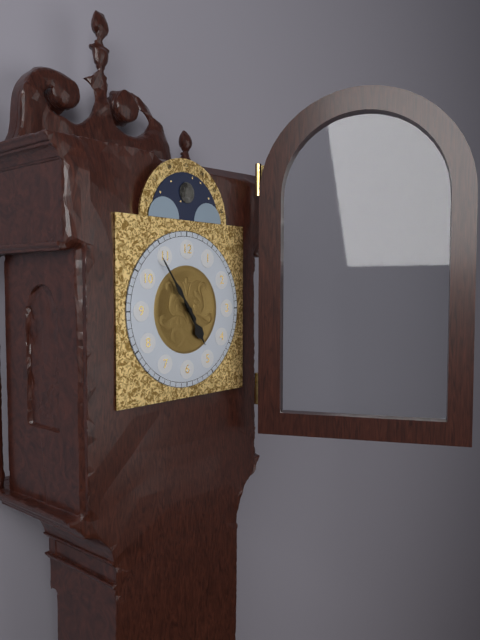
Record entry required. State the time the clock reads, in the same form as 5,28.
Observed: 4,54
